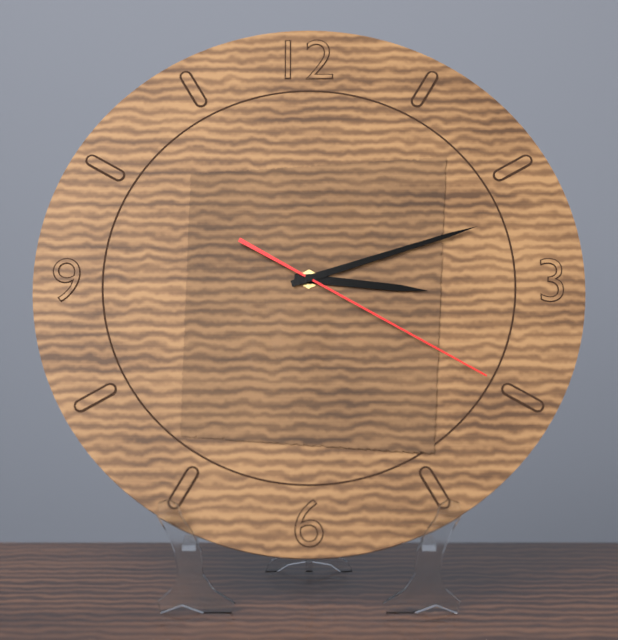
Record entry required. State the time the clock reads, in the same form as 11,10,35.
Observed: 3,12,20
